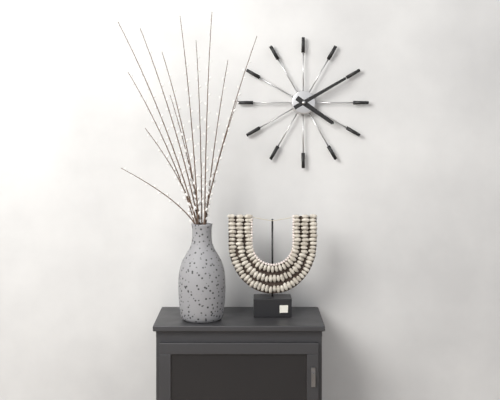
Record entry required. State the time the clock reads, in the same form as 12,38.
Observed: 4,10
